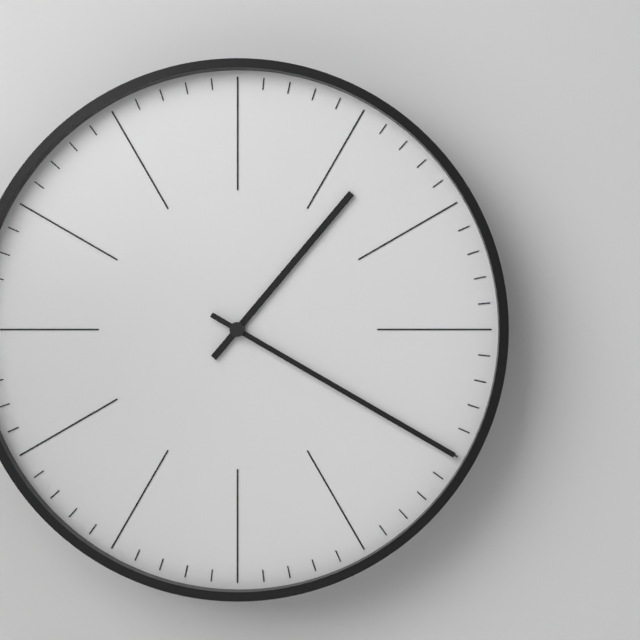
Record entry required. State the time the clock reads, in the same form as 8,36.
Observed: 1,20
